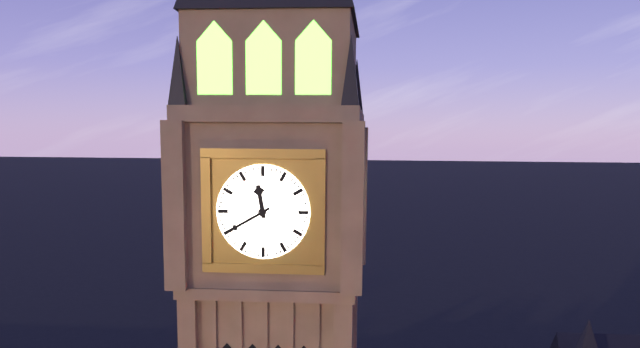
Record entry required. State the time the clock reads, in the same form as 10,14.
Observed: 11,40
